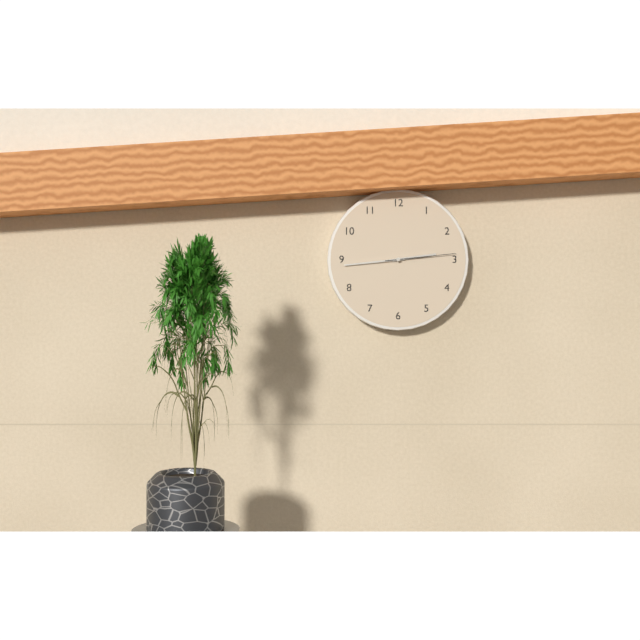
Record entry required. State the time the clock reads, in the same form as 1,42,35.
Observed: 2,44,14
